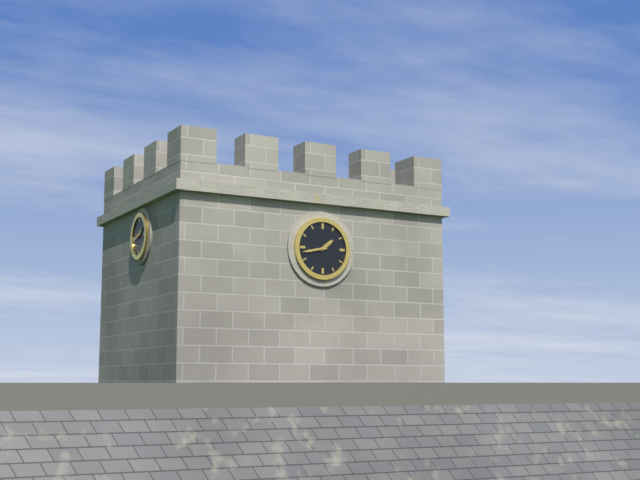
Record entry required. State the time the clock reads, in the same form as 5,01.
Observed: 1,43
